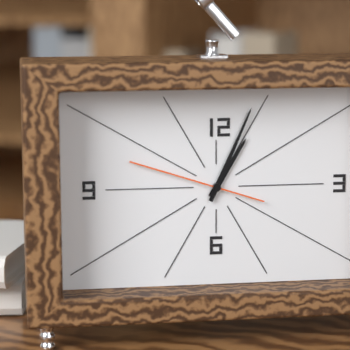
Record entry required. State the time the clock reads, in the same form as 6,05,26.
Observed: 1,04,48
